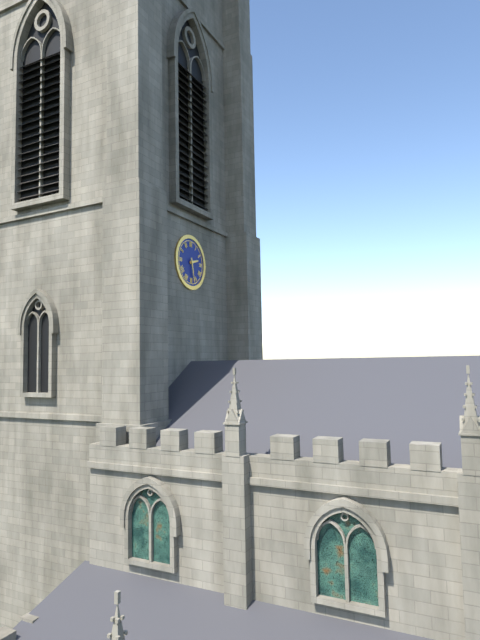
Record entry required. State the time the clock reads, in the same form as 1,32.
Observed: 2,28
